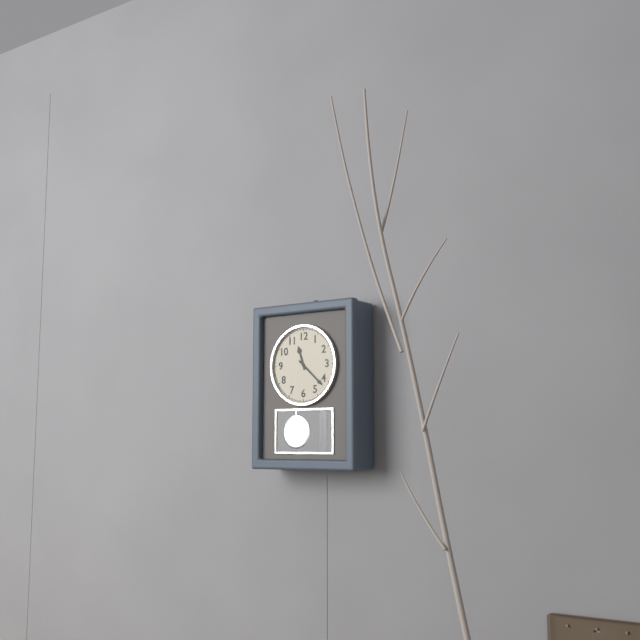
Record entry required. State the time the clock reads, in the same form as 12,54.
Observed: 11,22
